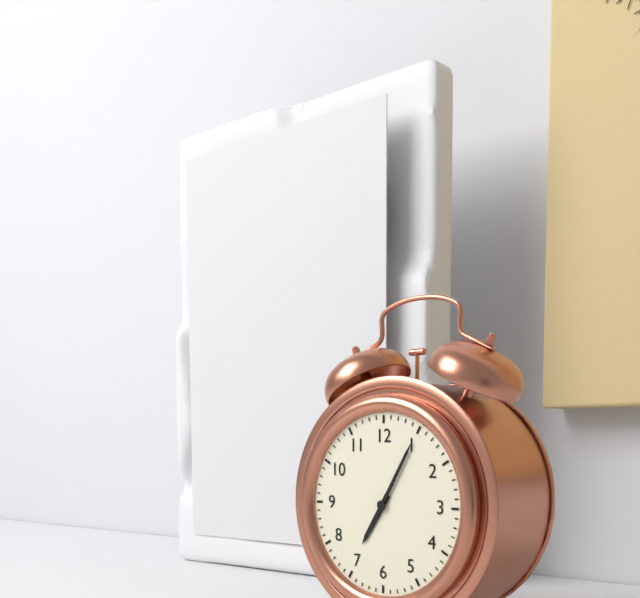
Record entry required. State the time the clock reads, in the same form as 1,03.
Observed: 7,05
